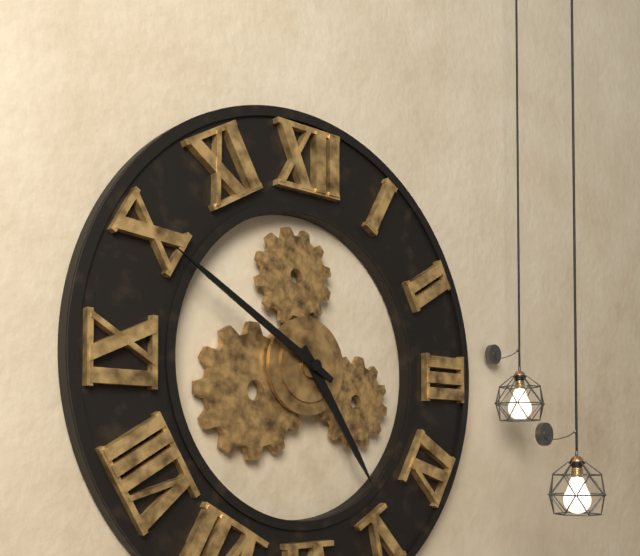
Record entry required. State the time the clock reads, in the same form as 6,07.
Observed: 4,50
